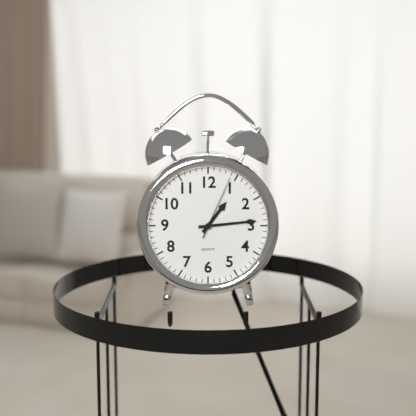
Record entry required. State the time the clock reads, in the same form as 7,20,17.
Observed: 1,14,04
